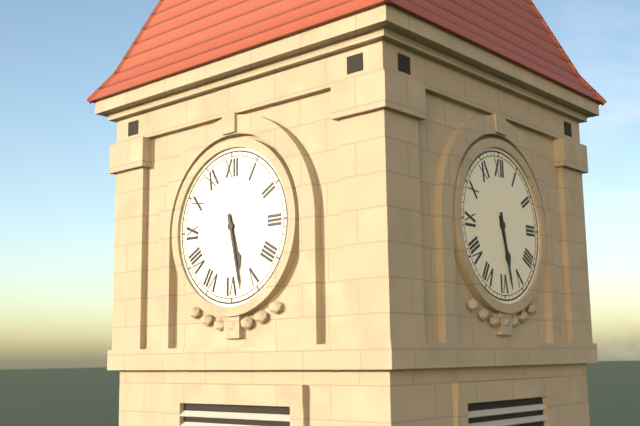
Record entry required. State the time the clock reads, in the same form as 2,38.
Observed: 5,28
